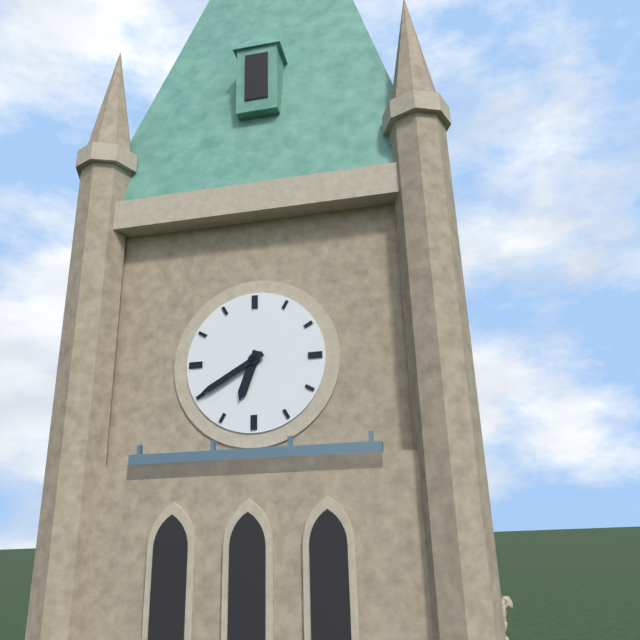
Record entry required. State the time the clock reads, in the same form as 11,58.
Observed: 6,40
